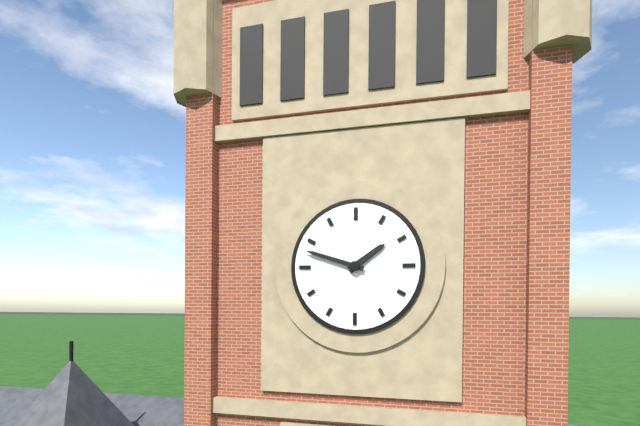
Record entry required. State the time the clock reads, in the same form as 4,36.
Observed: 1,48
